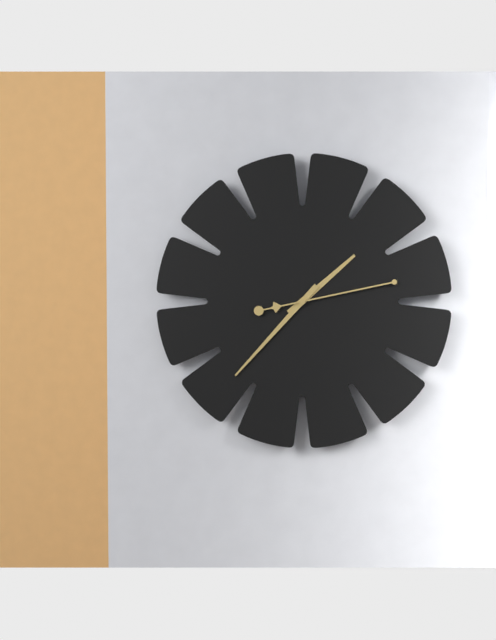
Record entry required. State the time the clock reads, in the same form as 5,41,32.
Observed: 1,37,13
